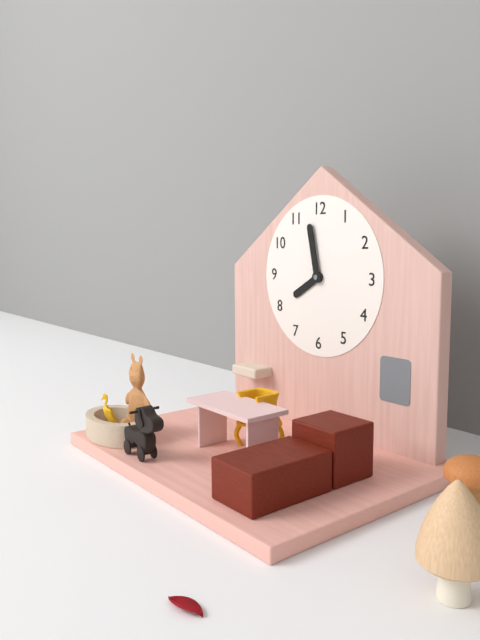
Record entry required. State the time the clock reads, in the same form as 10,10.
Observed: 7,58
